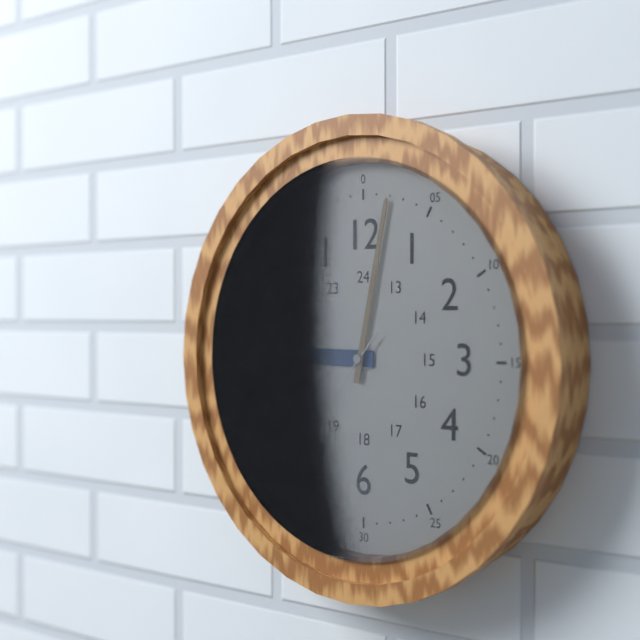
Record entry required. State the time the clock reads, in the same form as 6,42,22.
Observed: 9,02,37
